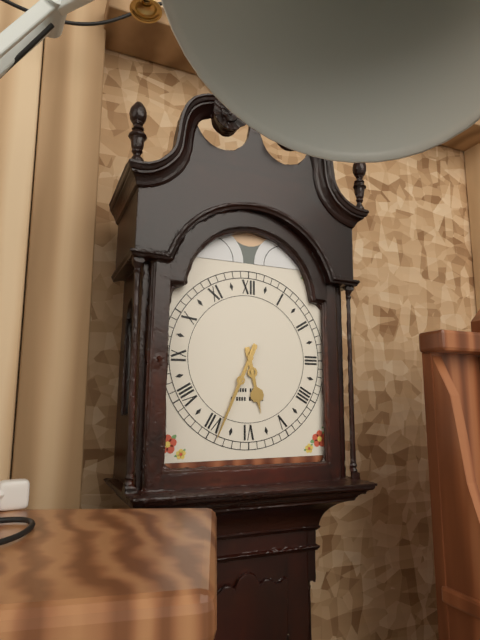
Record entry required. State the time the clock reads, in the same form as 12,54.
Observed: 5,34
